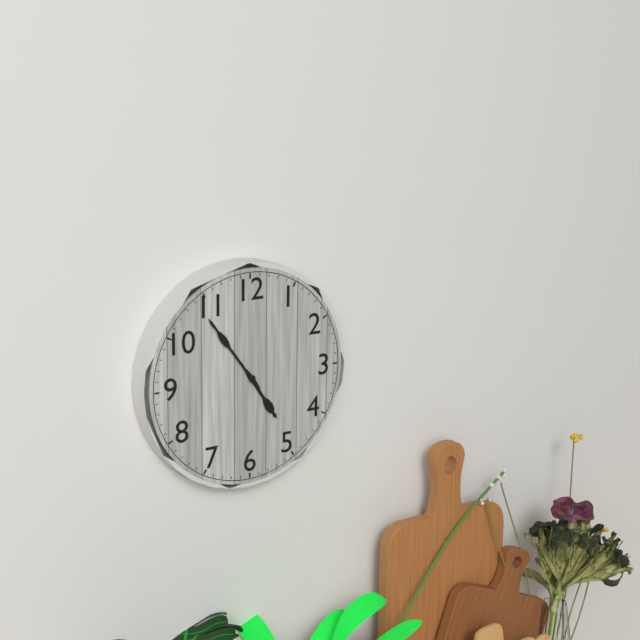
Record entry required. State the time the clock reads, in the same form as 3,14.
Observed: 4,54
